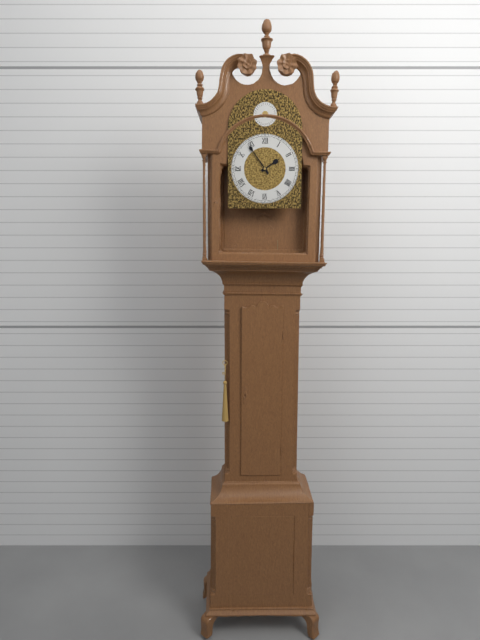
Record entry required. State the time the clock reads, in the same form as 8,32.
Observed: 1,54
